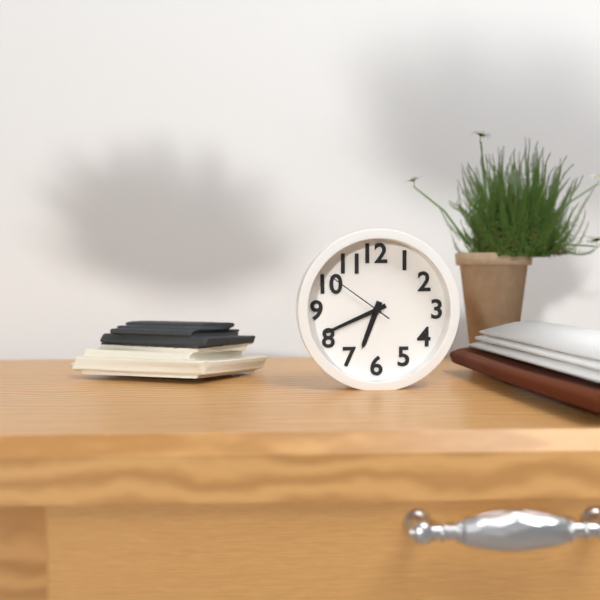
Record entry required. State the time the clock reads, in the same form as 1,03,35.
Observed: 6,41,51
